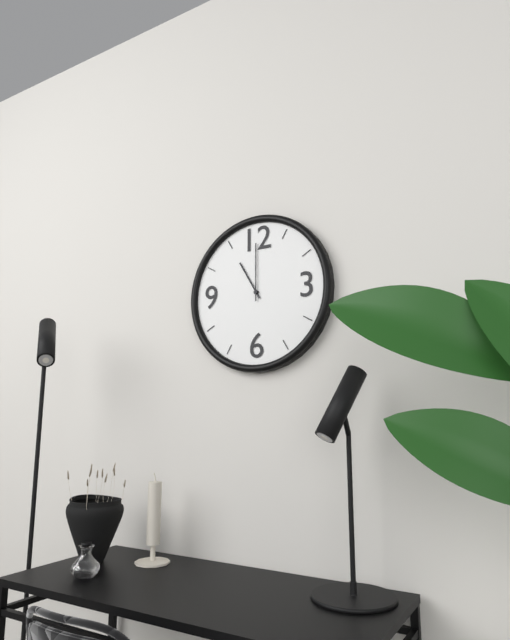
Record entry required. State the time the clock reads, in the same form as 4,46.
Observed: 11,00
